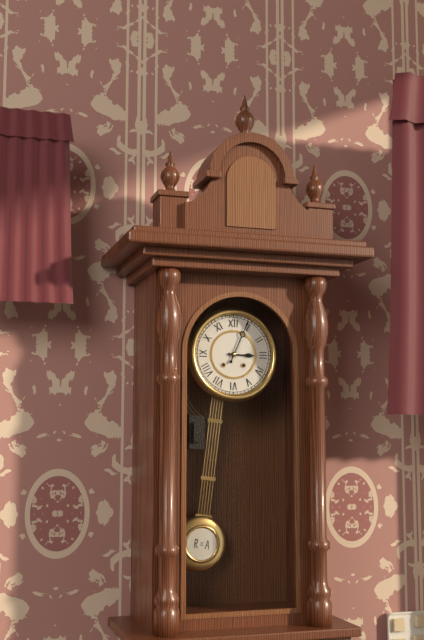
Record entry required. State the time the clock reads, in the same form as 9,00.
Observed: 3,04
